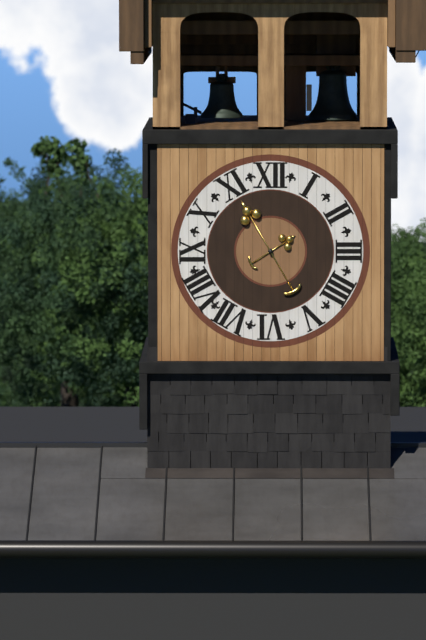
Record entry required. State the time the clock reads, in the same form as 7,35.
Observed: 1,55
